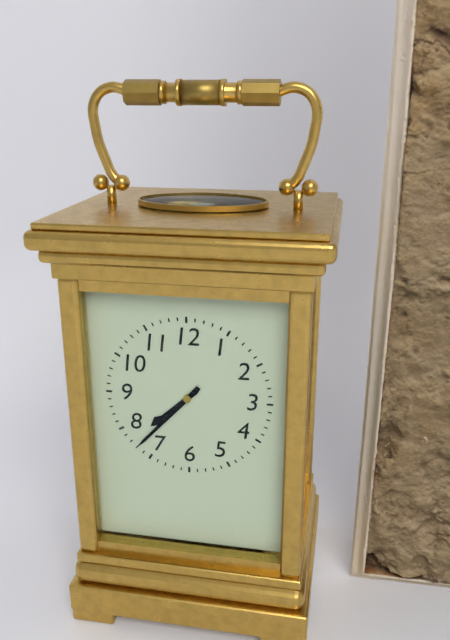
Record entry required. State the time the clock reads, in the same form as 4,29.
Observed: 7,37
